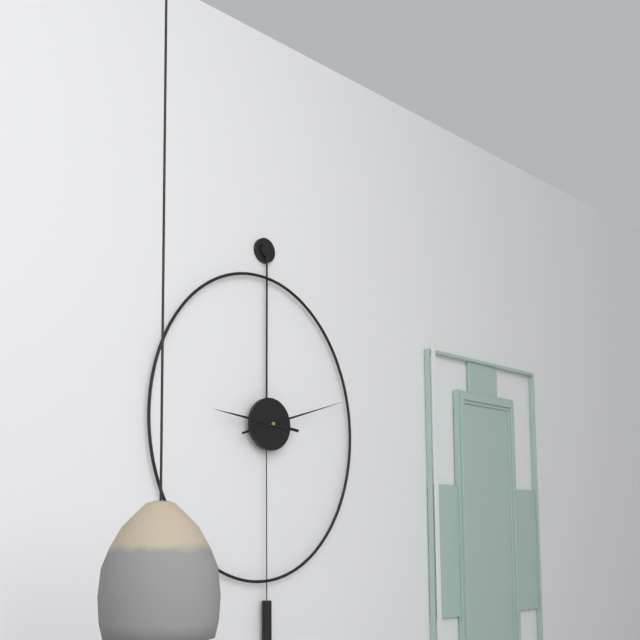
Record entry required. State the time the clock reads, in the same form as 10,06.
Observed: 9,12
